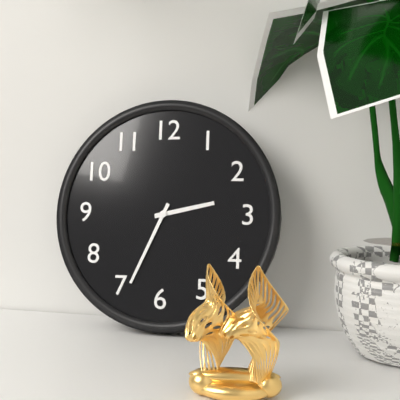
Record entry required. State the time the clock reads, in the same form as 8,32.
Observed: 2,34
